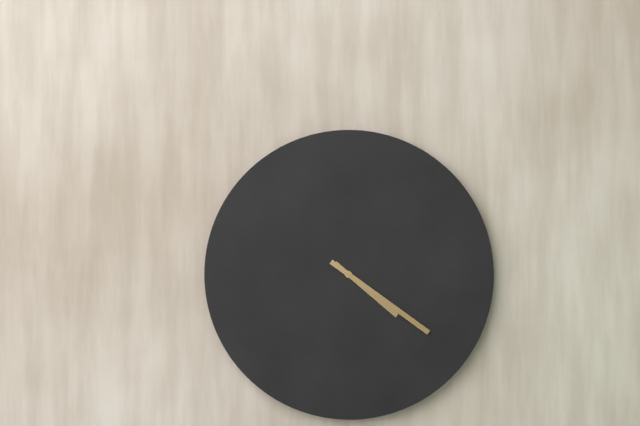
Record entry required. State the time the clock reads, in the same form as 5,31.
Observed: 4,21
